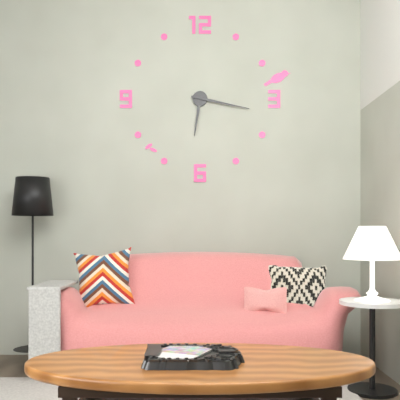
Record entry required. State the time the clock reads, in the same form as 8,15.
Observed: 6,17
